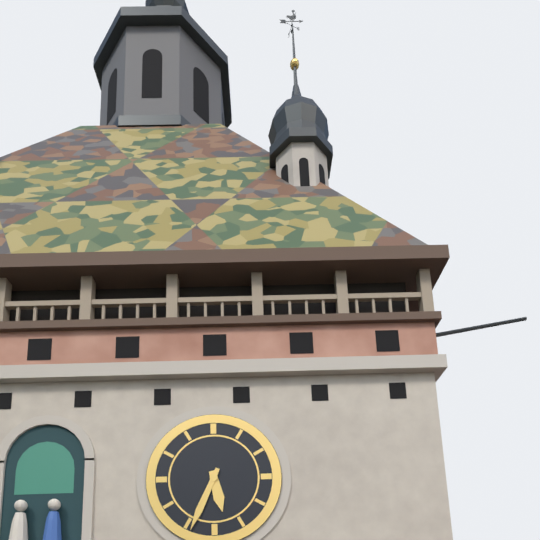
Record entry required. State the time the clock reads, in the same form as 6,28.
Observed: 5,34
